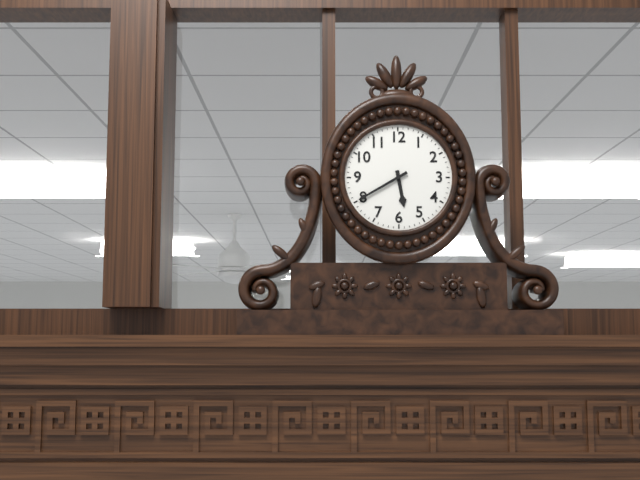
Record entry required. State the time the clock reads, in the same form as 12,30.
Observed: 5,40
